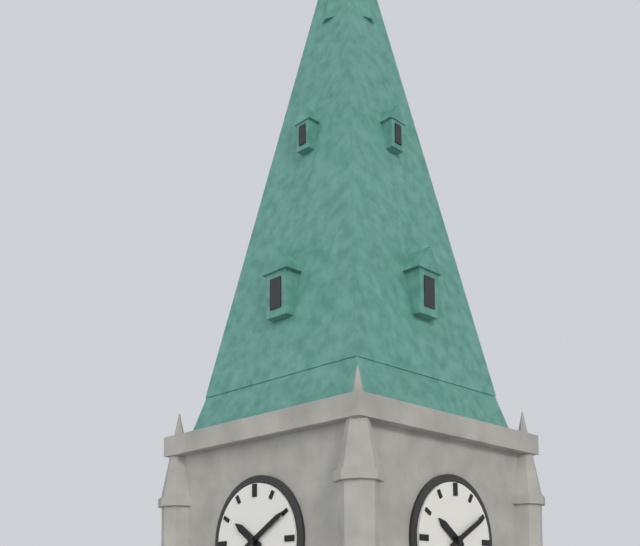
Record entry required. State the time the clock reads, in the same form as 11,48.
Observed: 10,10
